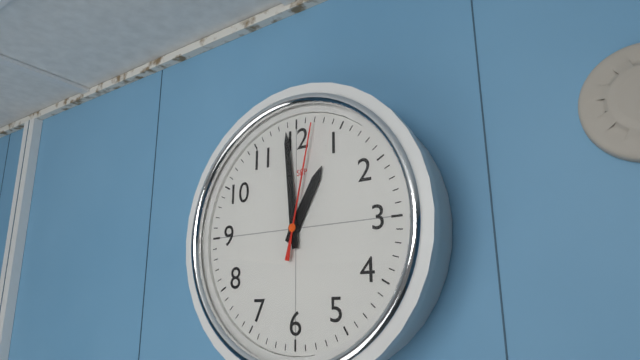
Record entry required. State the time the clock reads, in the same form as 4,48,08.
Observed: 12,59,02
